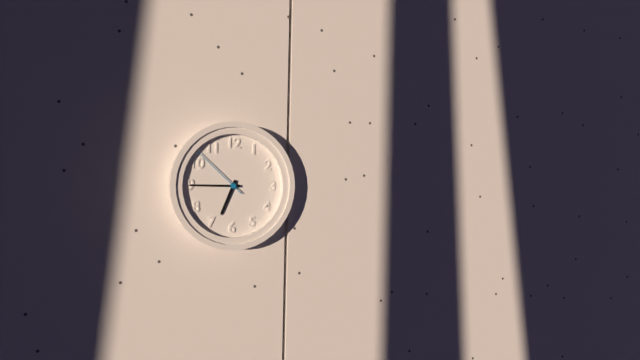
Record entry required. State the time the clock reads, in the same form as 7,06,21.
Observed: 6,45,52
